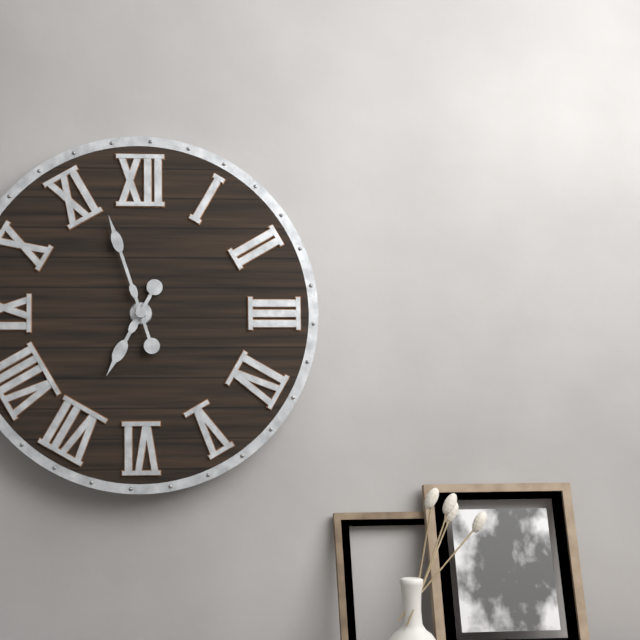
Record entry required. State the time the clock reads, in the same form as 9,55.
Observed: 6,57
